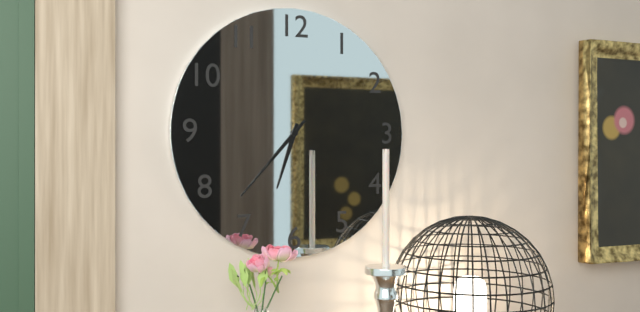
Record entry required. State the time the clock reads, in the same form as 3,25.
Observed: 6,37
